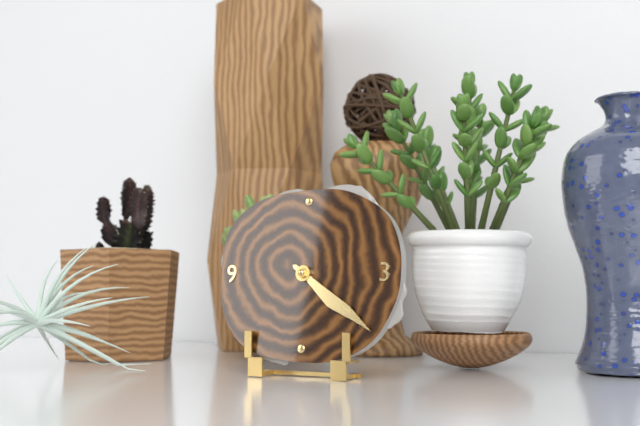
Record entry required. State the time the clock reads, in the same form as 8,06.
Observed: 4,21
